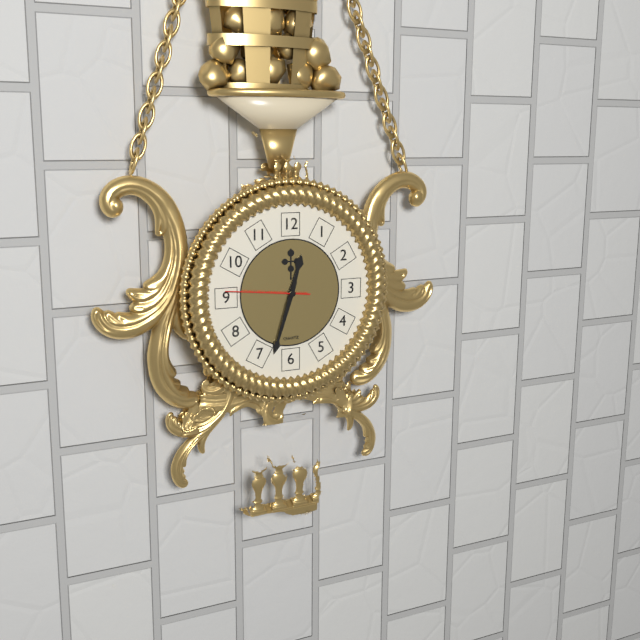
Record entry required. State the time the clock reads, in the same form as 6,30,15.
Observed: 12,33,46
